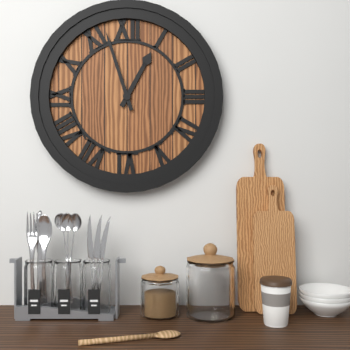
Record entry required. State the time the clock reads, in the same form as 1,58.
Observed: 12,57
